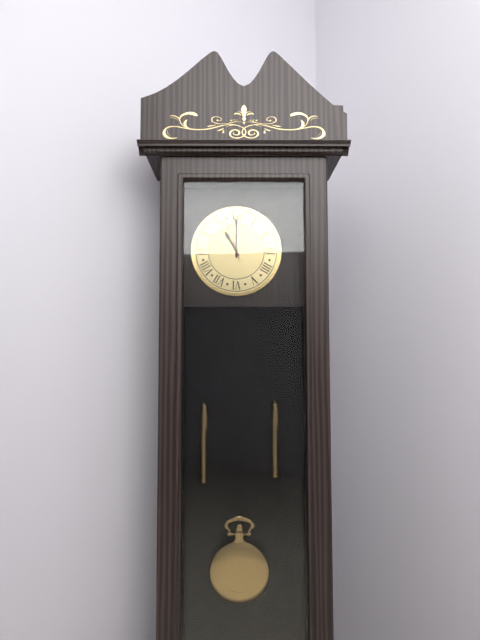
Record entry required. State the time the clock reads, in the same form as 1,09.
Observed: 11,00
